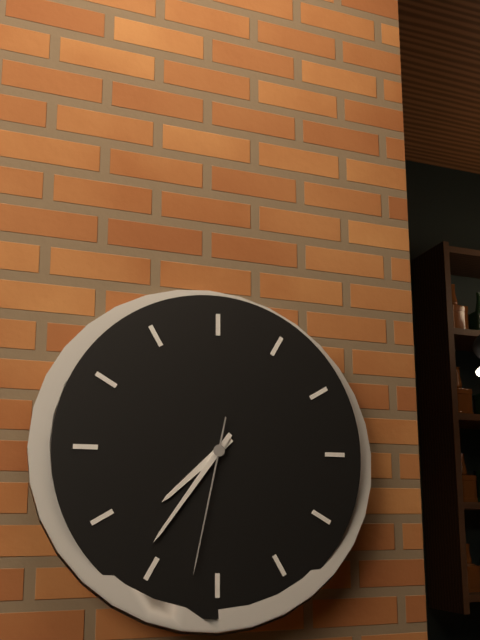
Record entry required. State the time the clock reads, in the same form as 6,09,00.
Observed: 7,36,32
